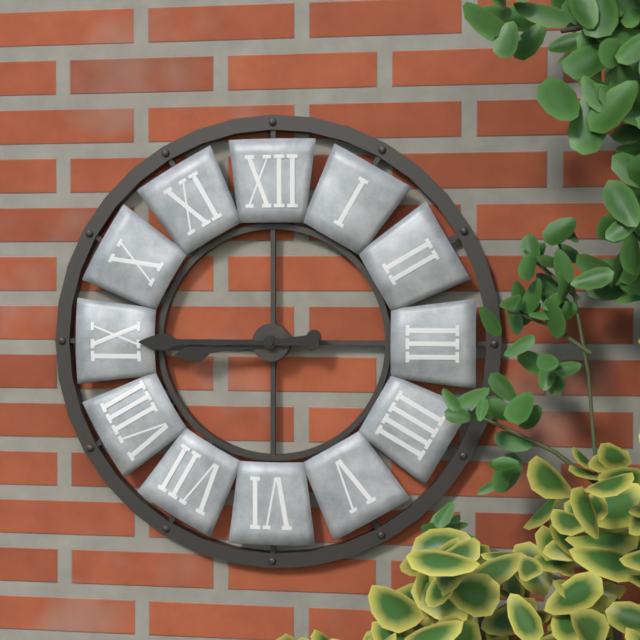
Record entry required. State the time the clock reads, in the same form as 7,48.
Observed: 8,45
